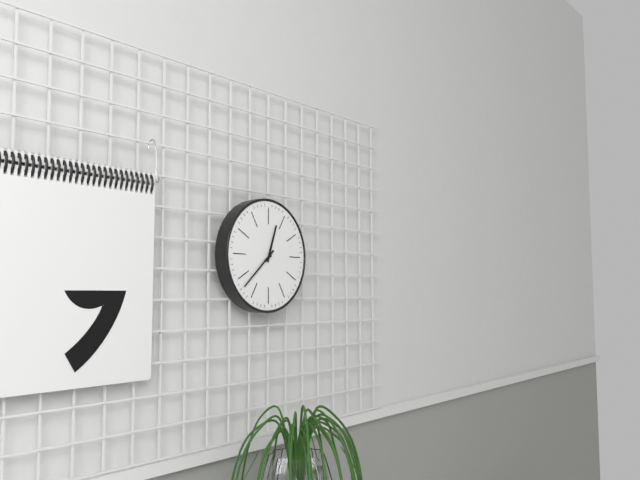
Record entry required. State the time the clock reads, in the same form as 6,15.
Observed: 12,38
